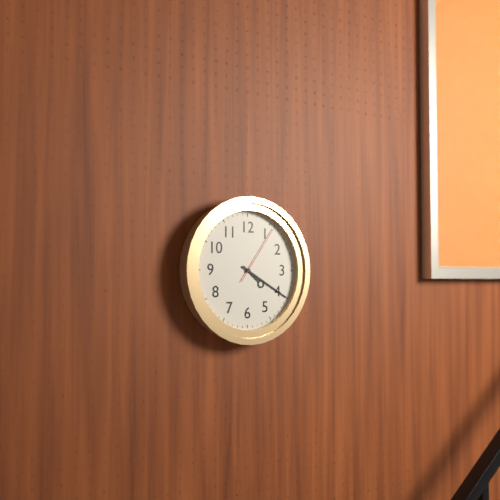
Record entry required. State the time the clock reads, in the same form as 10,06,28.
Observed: 4,20,06
